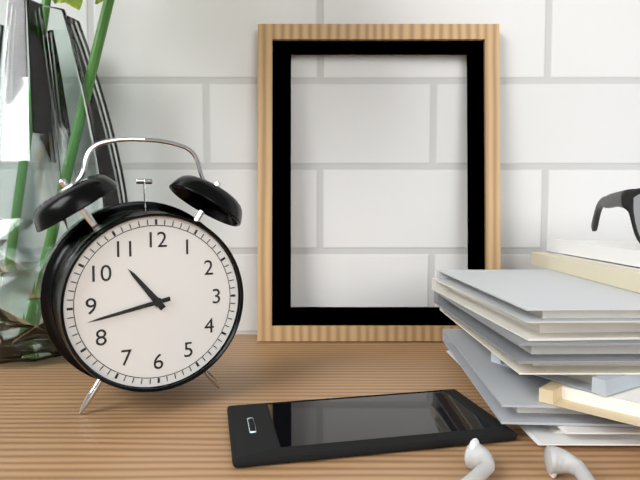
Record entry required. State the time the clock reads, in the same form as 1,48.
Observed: 10,43
